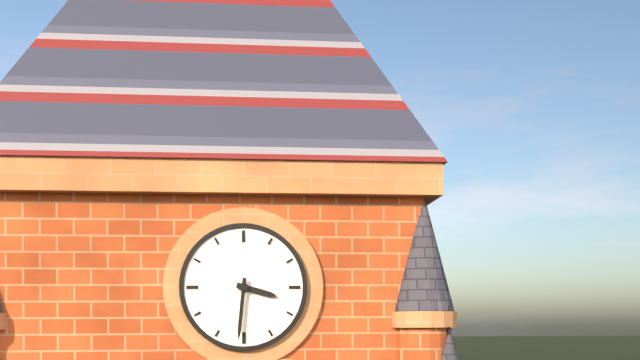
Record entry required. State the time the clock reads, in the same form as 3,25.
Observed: 3,31
